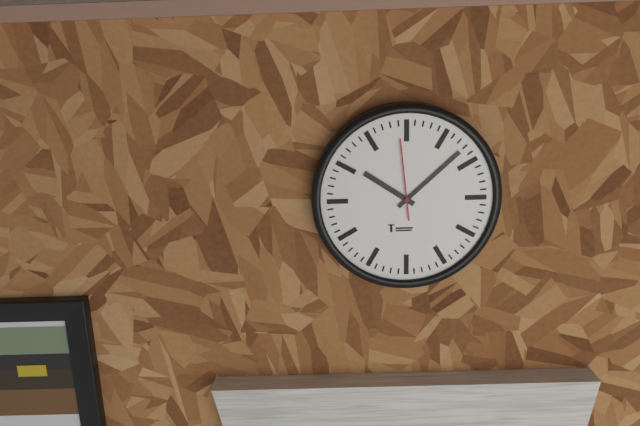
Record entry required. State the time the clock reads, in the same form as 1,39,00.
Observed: 10,08,59
